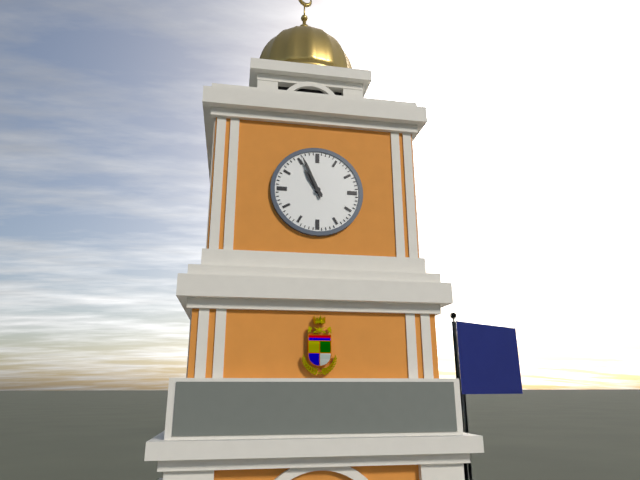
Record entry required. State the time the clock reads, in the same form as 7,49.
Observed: 10,56
